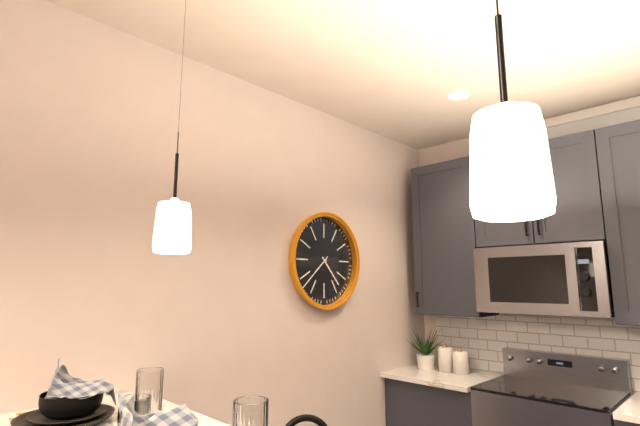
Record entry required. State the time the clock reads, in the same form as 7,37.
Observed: 4,38
